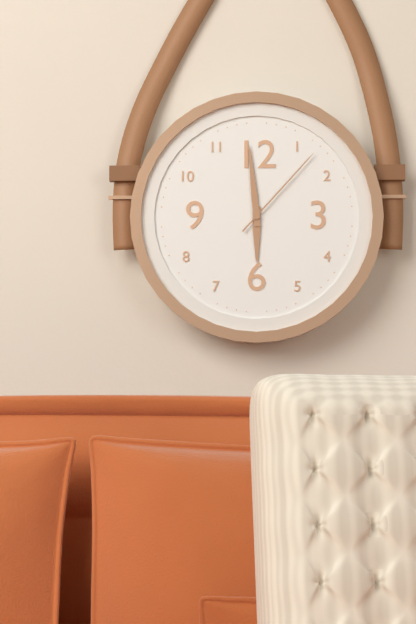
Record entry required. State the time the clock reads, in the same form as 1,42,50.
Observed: 5,59,07
